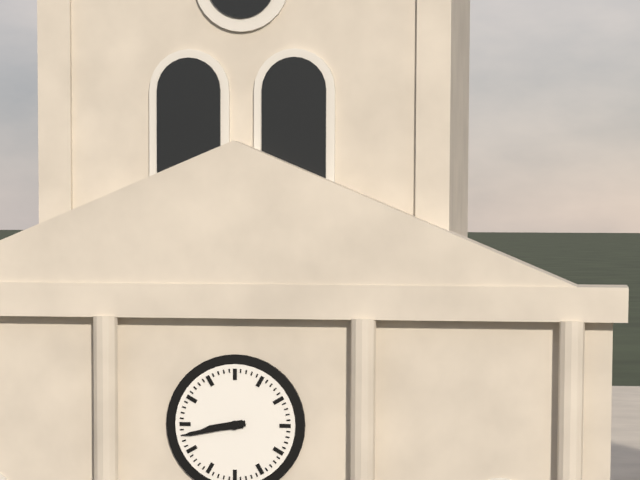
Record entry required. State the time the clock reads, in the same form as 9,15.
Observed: 8,43
